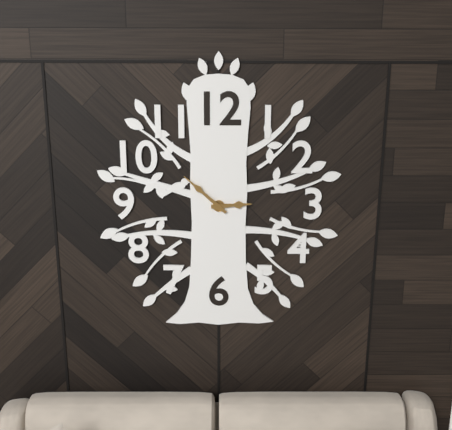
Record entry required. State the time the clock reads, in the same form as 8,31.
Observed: 2,52
